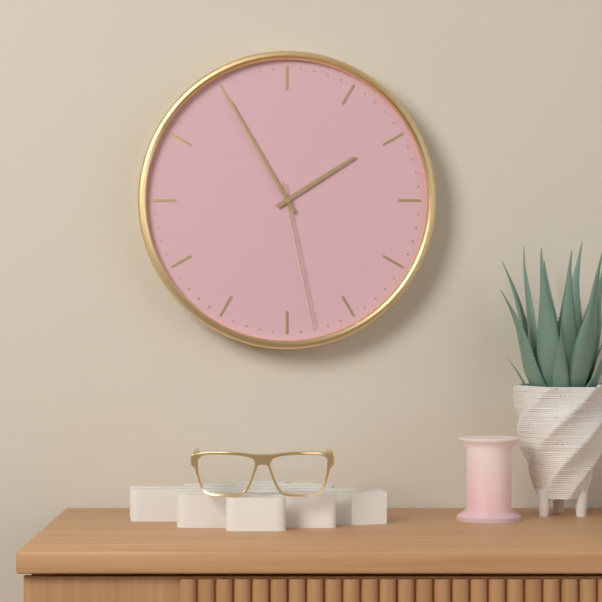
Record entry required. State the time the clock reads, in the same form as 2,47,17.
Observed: 1,55,28
